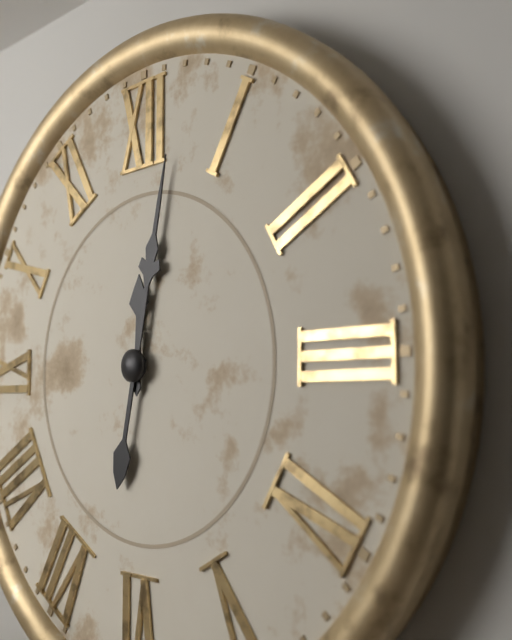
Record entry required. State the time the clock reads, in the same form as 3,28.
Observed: 12,02
